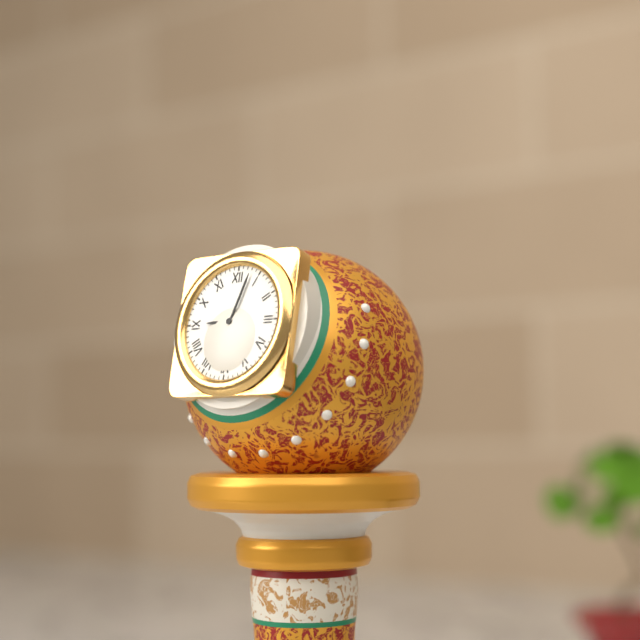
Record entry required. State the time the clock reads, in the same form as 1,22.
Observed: 9,03
